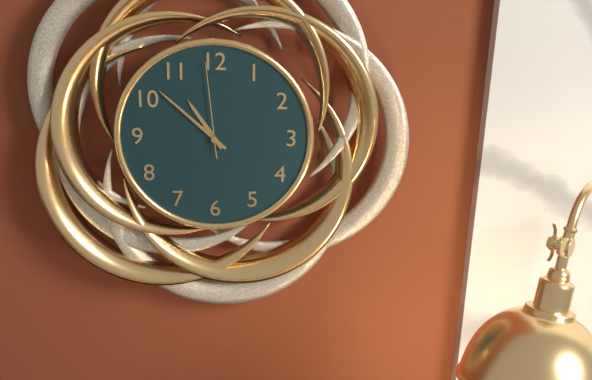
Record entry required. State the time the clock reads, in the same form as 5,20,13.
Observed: 10,52,59
